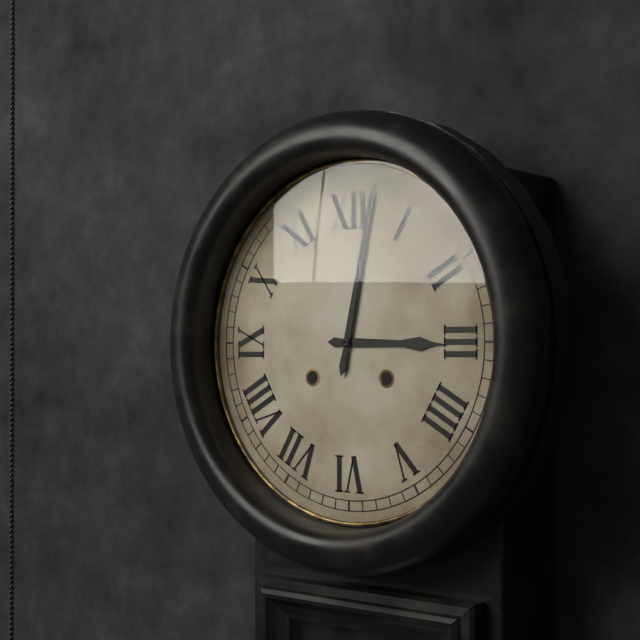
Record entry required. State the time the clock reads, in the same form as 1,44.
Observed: 3,02
